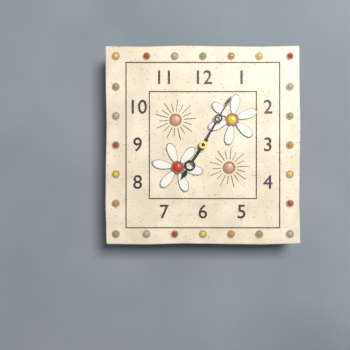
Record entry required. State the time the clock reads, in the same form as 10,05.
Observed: 7,05
